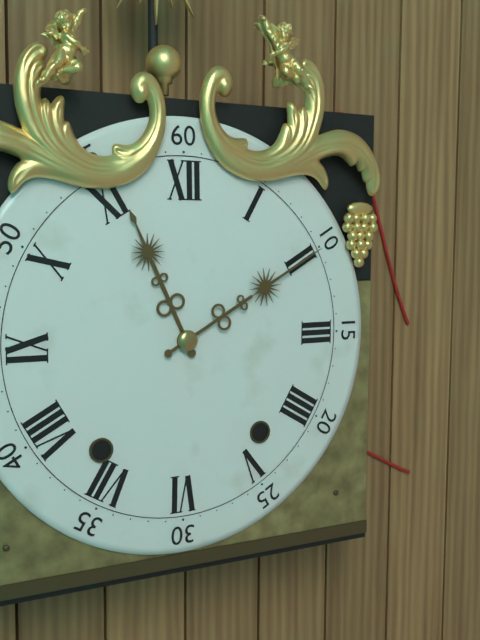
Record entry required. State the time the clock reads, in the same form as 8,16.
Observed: 11,10
